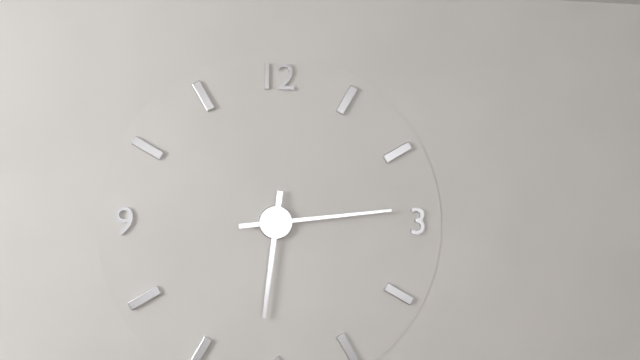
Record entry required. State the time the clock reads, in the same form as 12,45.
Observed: 6,14
